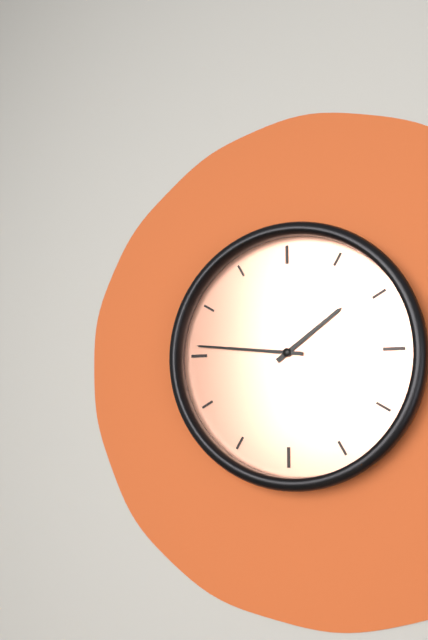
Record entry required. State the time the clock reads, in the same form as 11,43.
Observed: 1,46
